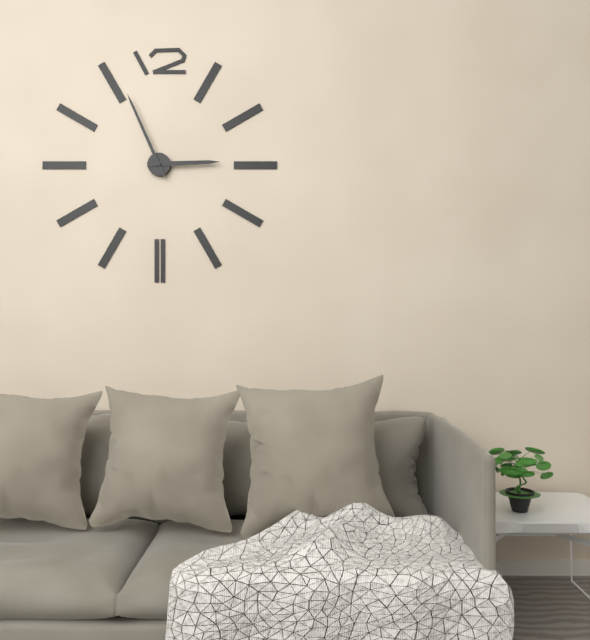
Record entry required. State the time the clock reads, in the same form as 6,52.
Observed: 2,56
